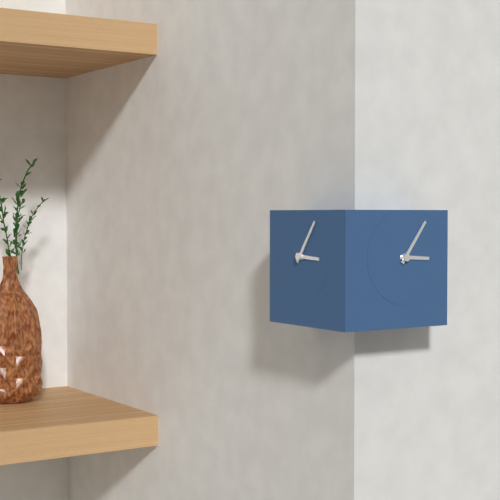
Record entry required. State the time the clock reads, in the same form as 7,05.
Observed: 3,06
